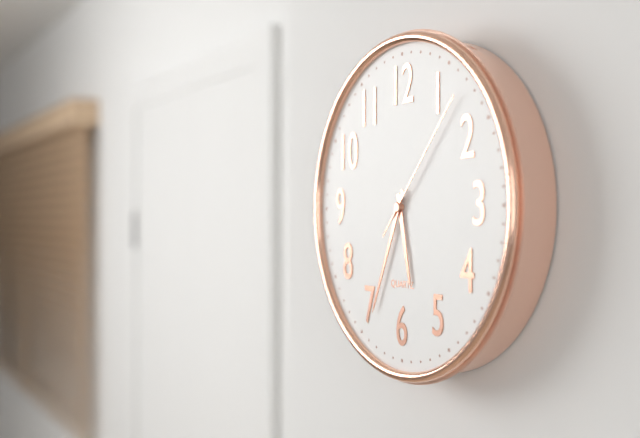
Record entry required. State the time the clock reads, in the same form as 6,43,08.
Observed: 5,34,07
